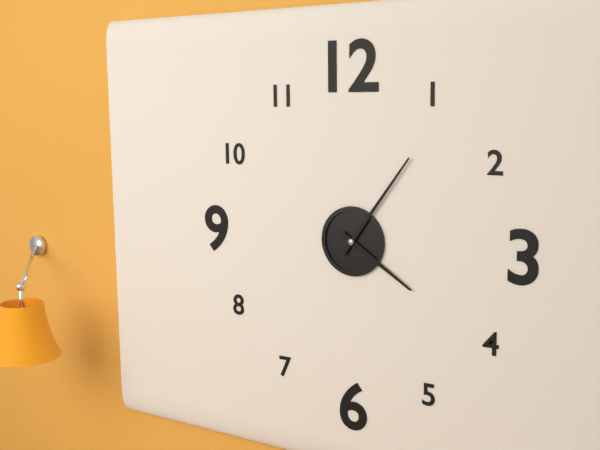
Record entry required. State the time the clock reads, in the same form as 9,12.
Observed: 4,06
